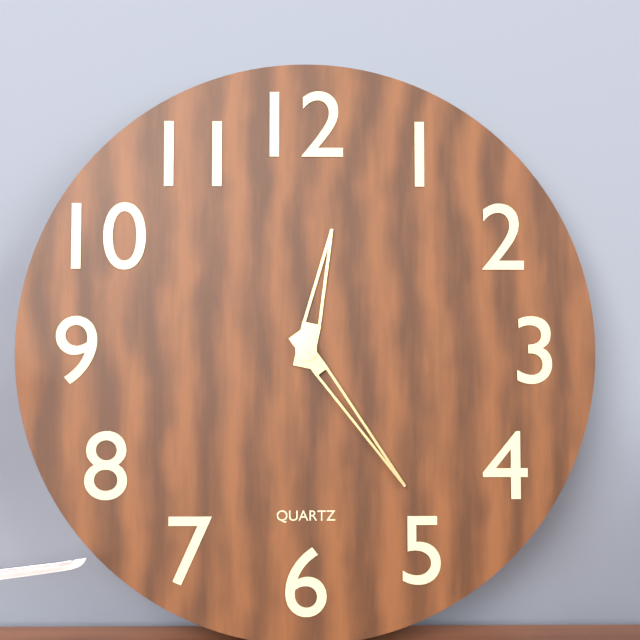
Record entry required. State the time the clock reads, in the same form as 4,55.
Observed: 12,24
